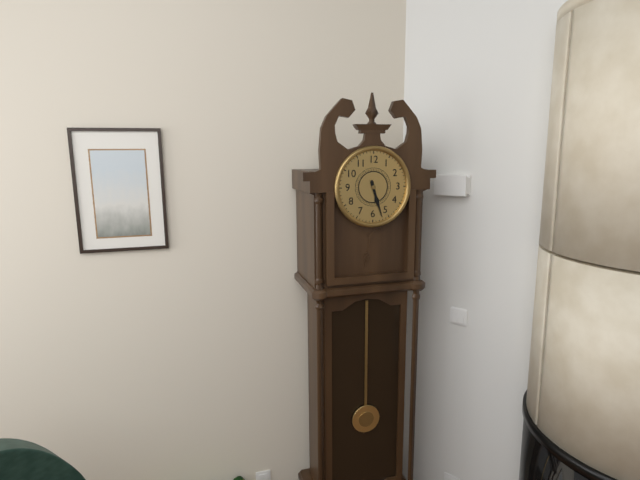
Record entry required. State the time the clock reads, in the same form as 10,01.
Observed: 5,27
